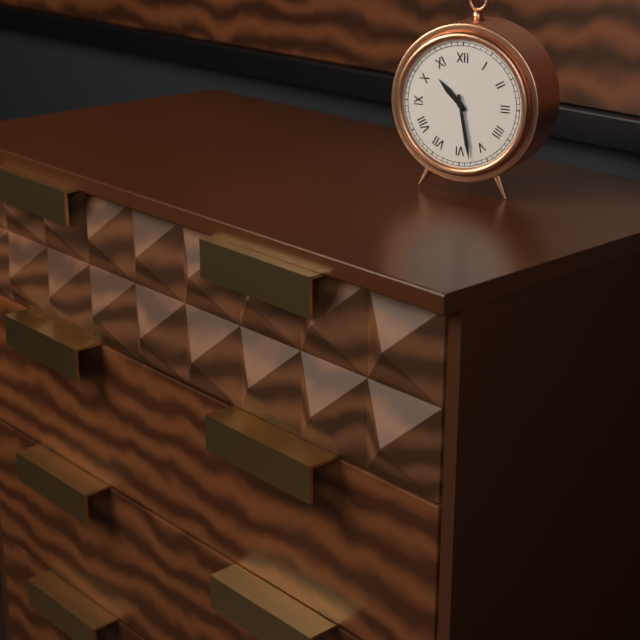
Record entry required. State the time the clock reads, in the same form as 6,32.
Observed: 10,28
